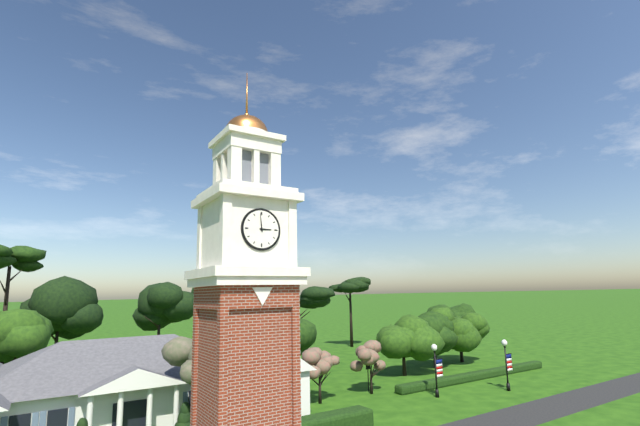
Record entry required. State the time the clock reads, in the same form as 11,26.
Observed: 2,59
